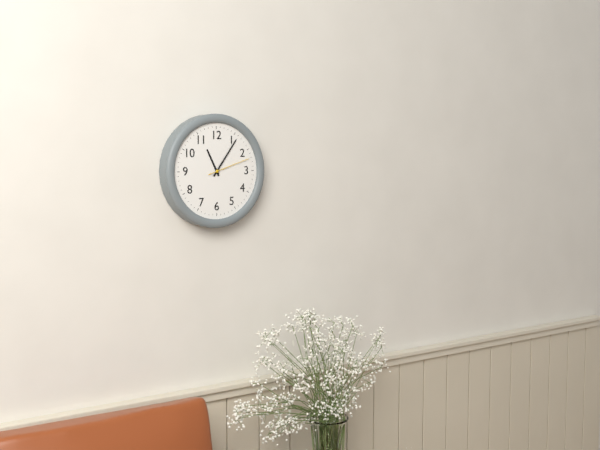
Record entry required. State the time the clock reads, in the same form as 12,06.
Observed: 11,06
